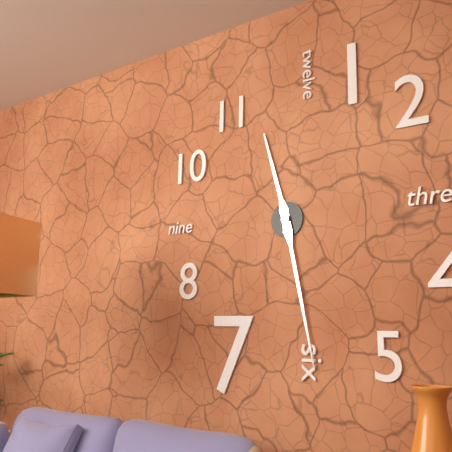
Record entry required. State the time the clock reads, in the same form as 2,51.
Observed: 11,28
